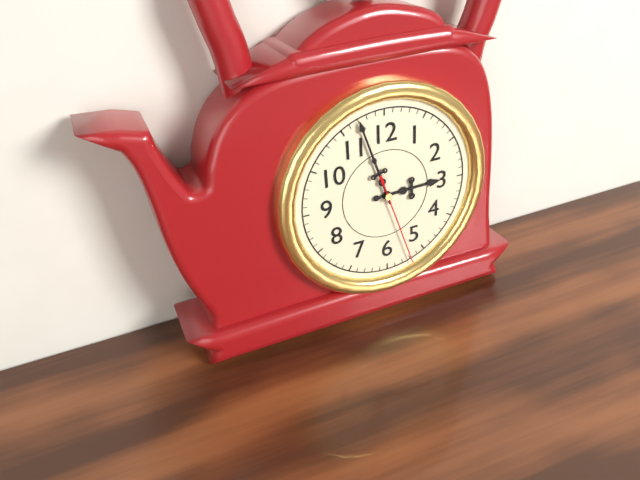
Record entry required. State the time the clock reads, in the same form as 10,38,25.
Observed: 2,57,27
